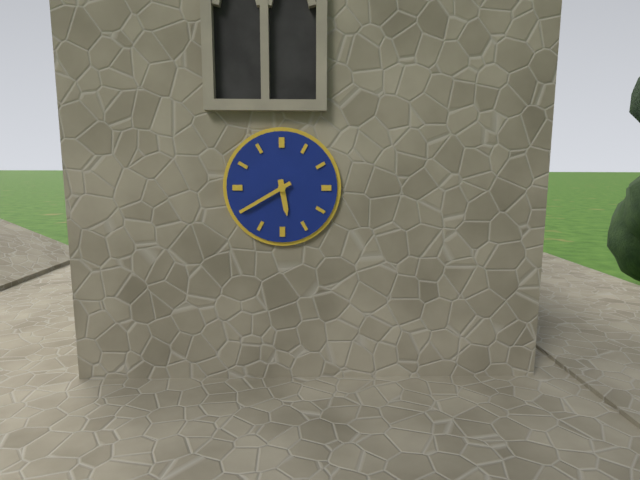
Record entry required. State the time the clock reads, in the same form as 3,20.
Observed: 5,40
